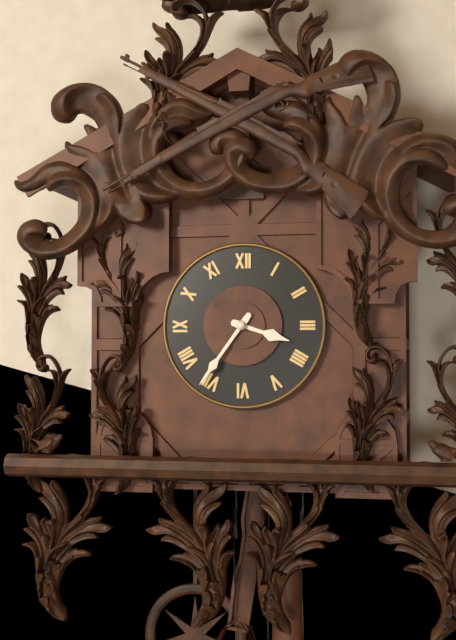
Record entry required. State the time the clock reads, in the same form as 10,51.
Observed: 3,36
